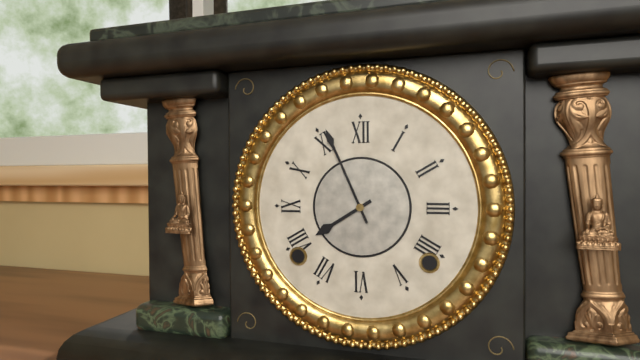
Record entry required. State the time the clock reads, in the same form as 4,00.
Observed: 7,56
